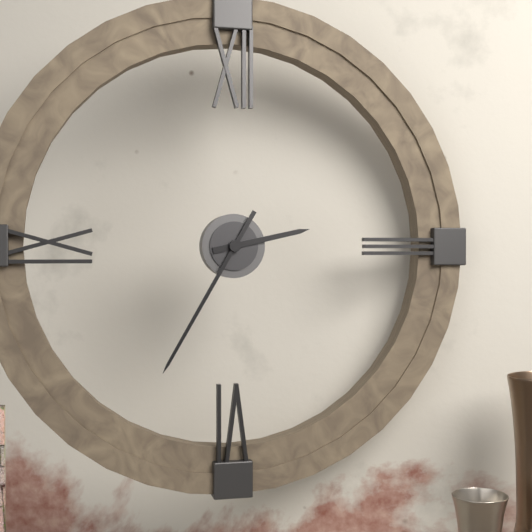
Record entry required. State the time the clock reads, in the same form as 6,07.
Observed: 2,35
